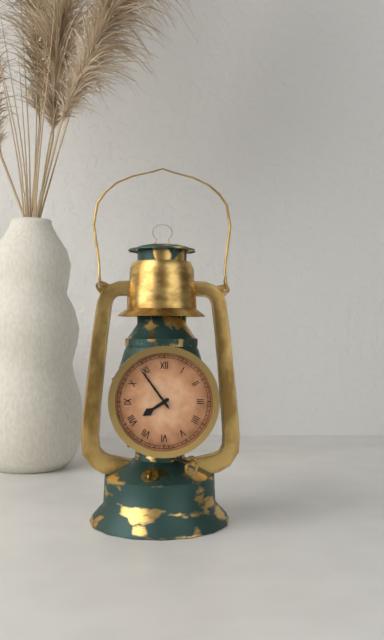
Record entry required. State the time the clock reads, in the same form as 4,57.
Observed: 7,54
